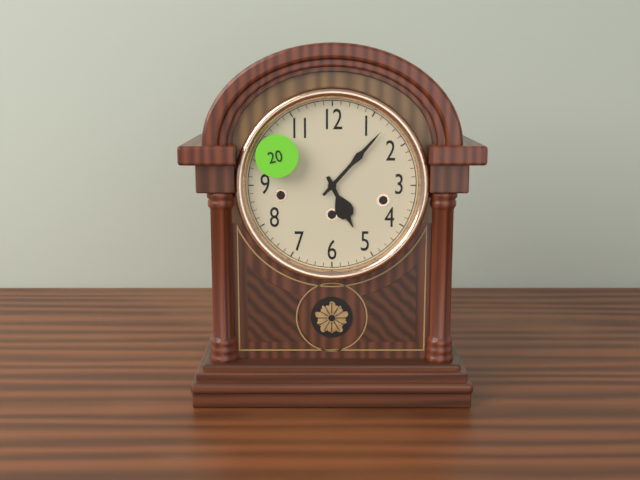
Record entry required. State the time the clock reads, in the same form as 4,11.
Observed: 5,07
